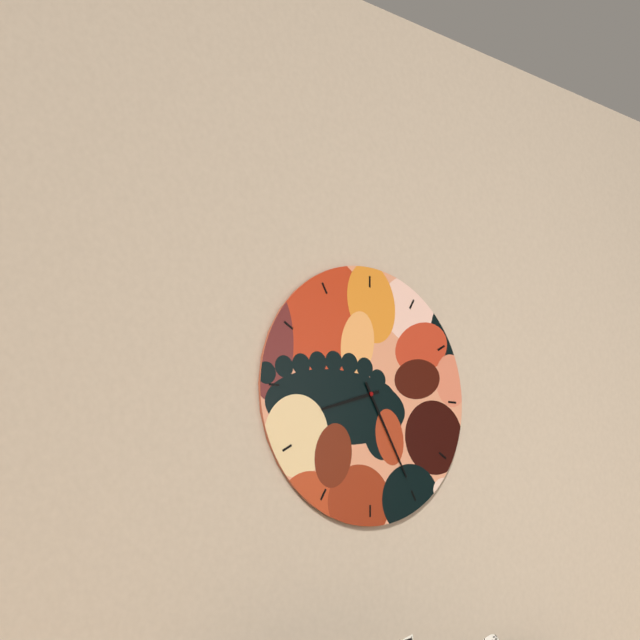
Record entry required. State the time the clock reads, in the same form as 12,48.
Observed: 8,25
